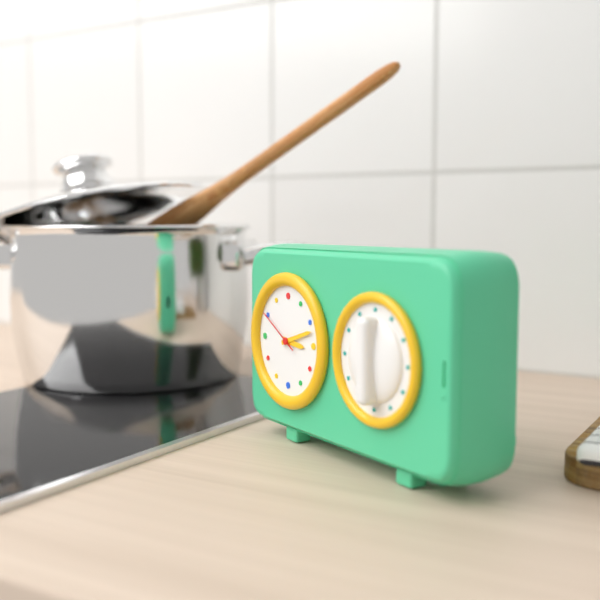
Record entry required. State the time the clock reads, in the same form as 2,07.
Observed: 3,12
